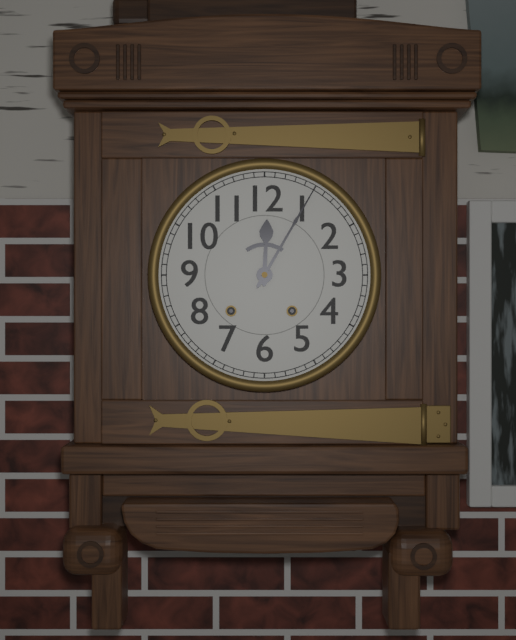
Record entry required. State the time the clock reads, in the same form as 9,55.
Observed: 12,05
